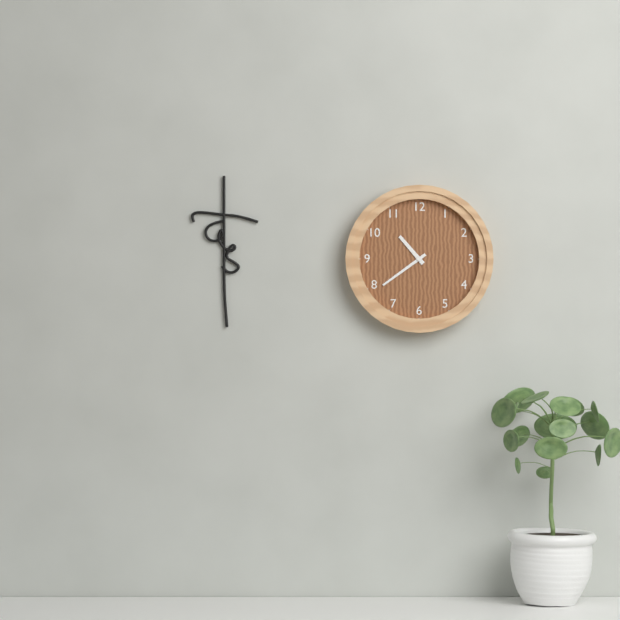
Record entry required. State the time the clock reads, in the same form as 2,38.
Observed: 10,39
